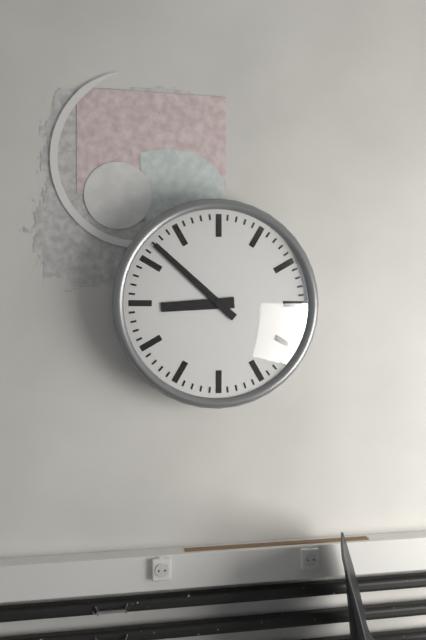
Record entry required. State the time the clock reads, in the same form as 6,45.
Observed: 8,52
